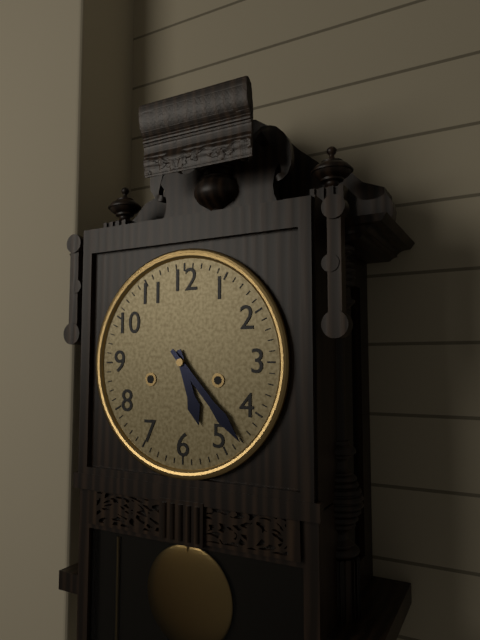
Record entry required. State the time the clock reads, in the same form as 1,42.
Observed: 5,23
